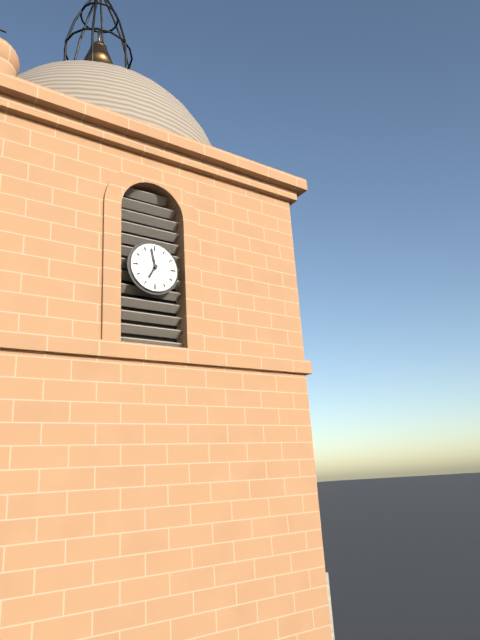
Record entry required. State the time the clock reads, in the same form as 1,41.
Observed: 6,58
